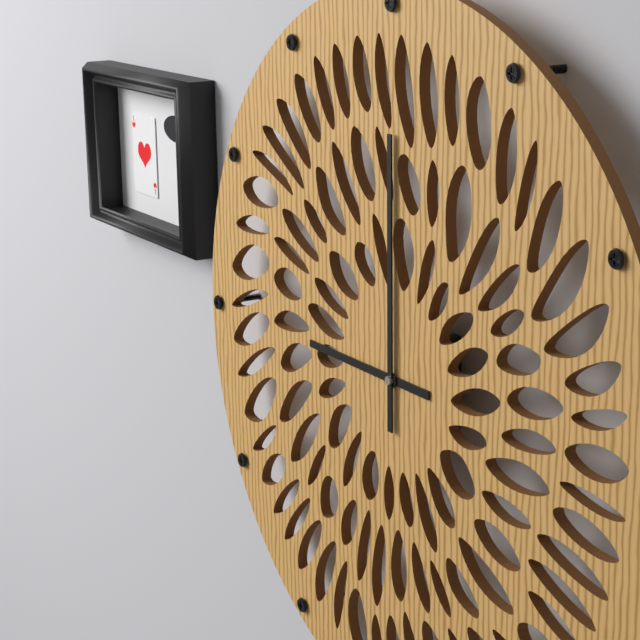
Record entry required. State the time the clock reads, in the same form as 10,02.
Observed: 9,00
